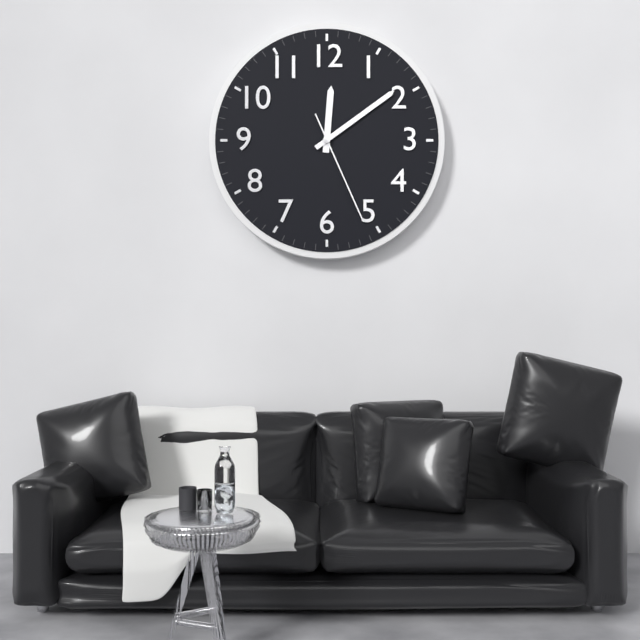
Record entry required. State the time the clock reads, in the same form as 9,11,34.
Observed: 12,09,26
